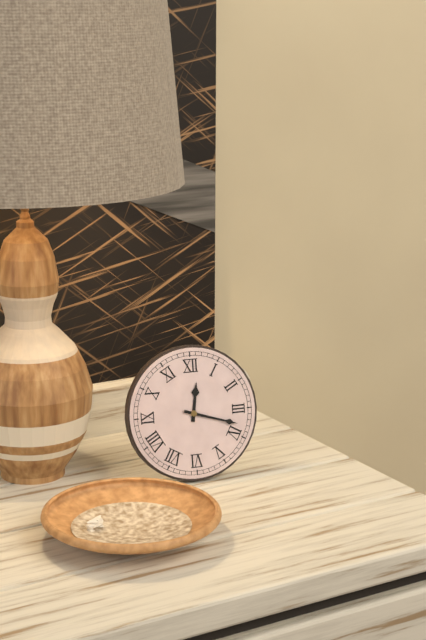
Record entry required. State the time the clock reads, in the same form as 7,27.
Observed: 12,18
